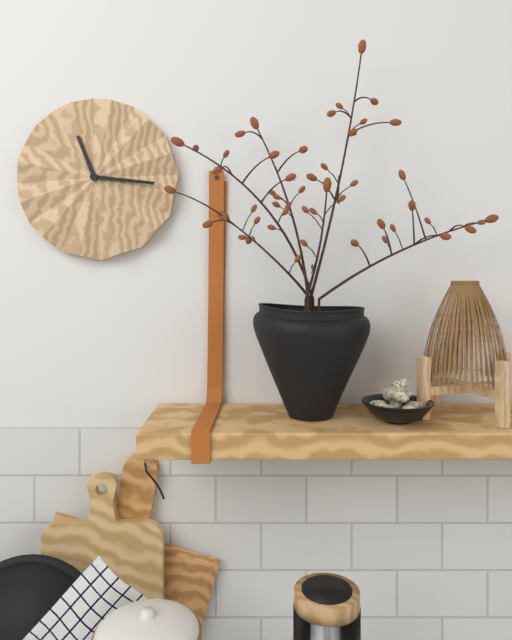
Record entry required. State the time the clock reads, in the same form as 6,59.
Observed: 11,16
